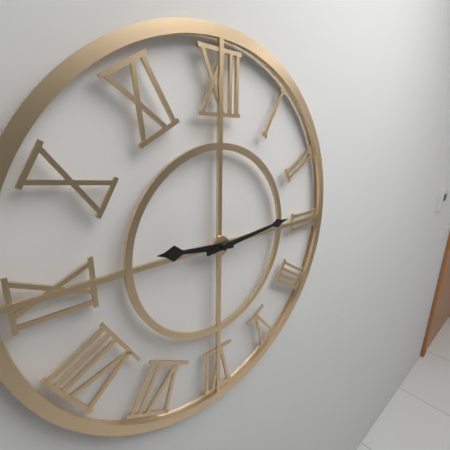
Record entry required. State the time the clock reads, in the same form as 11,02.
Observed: 9,14
